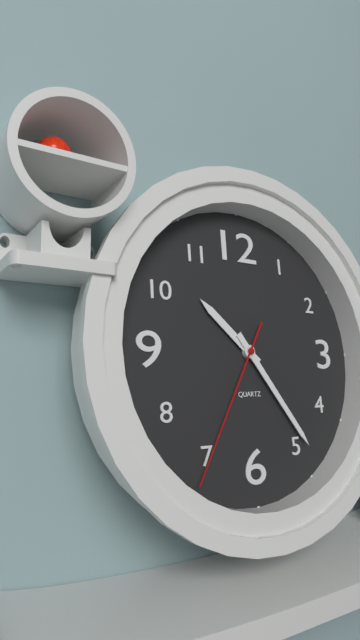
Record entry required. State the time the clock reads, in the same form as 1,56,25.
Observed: 10,24,35
